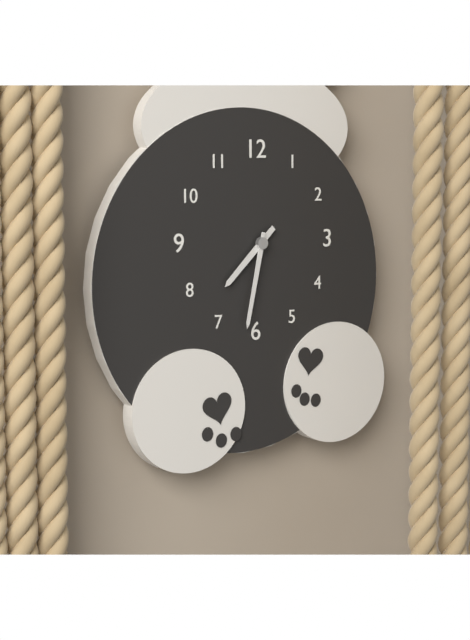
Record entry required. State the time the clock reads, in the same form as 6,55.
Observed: 7,32
